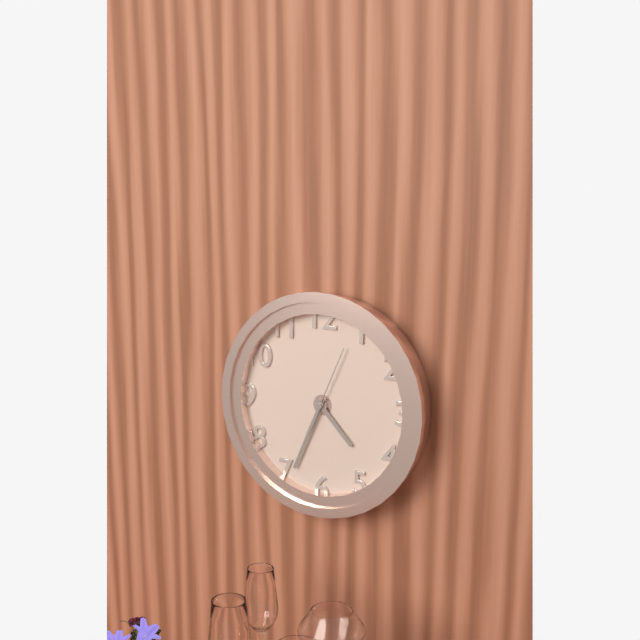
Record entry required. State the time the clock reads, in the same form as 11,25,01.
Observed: 4,34,04
